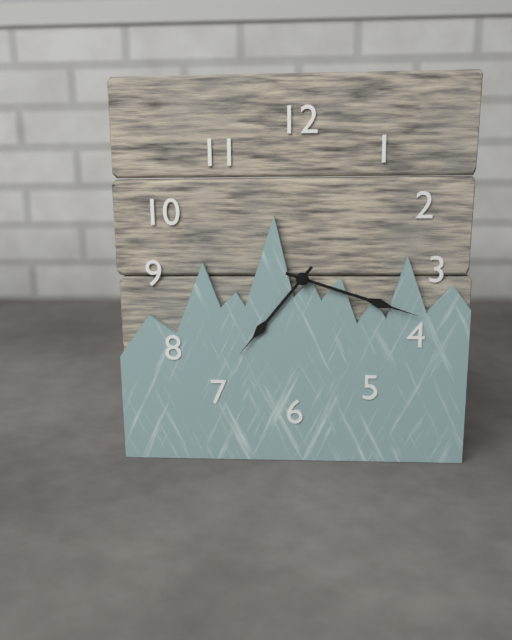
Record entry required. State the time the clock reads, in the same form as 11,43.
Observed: 7,18
